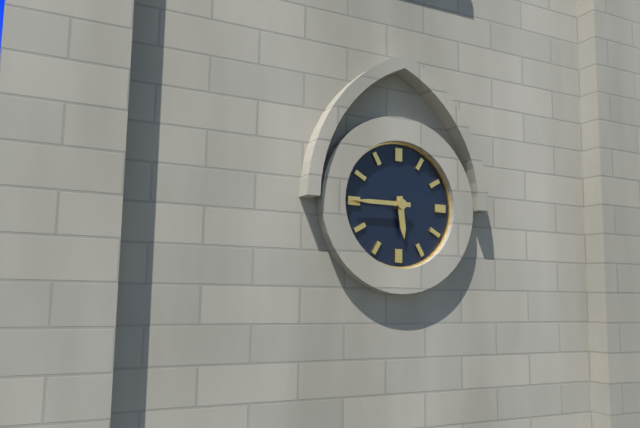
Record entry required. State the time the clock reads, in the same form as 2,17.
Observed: 5,45
